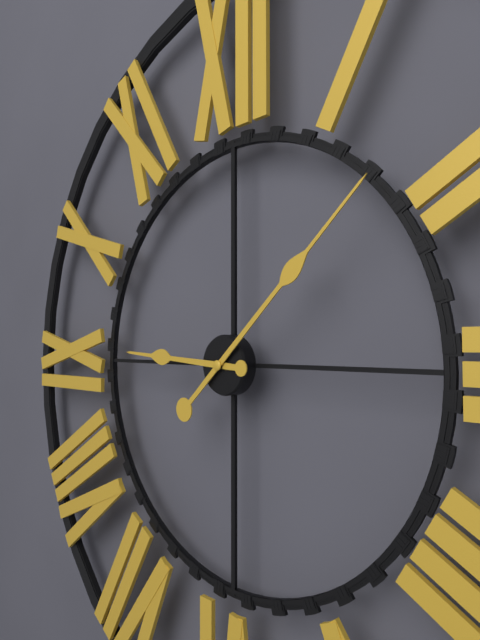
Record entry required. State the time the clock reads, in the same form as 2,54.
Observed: 9,08
